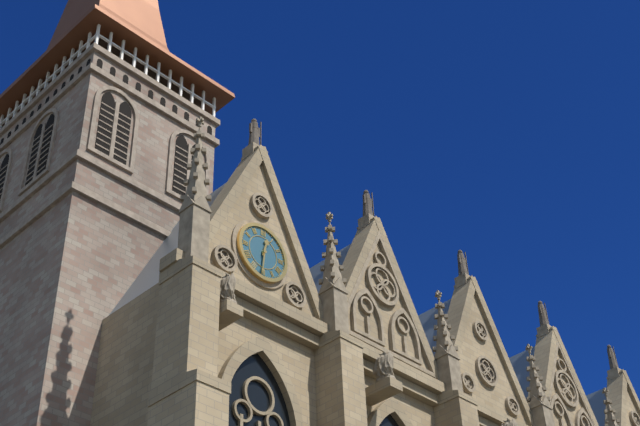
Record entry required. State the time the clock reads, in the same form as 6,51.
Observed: 12,31
